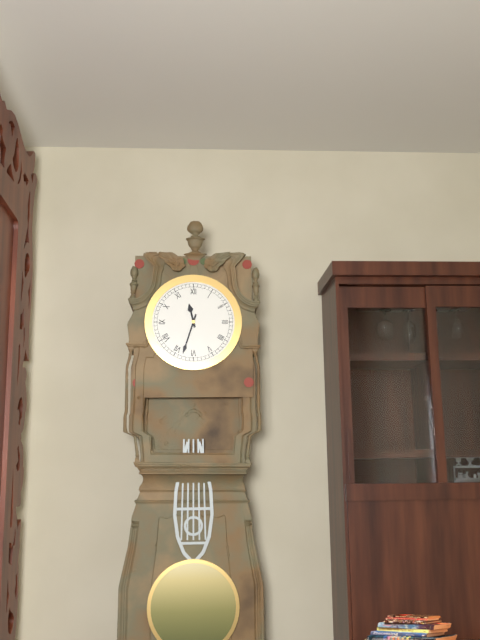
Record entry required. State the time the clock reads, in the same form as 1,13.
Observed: 11,33
